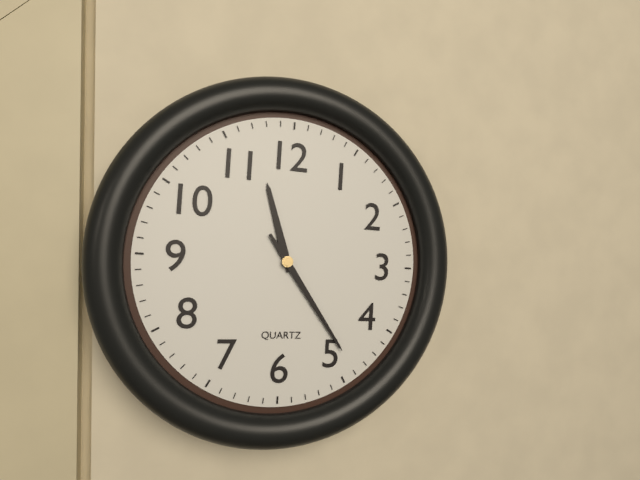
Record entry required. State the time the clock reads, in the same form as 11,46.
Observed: 11,24
